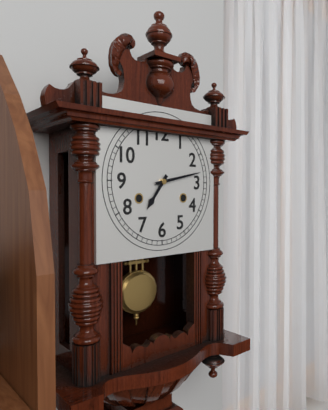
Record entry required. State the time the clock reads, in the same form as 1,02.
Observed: 7,13
